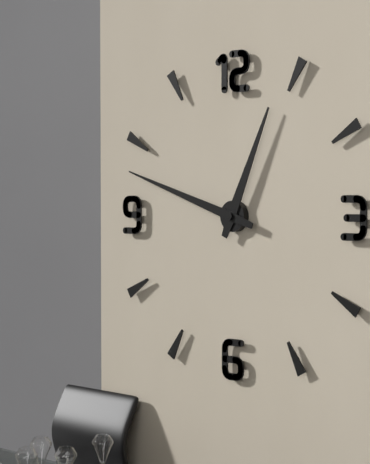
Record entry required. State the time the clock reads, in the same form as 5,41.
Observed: 12,48
